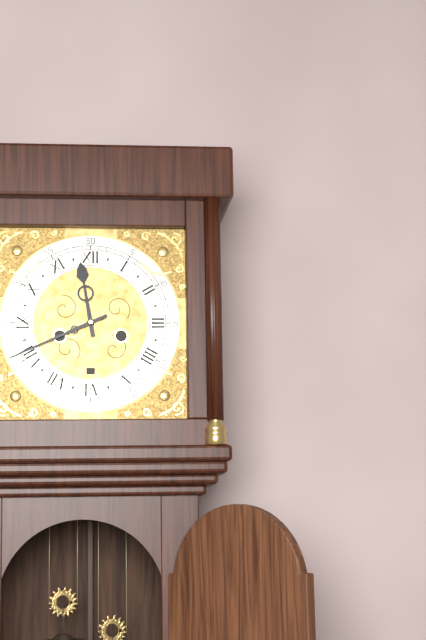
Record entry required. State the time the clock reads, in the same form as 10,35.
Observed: 11,41
